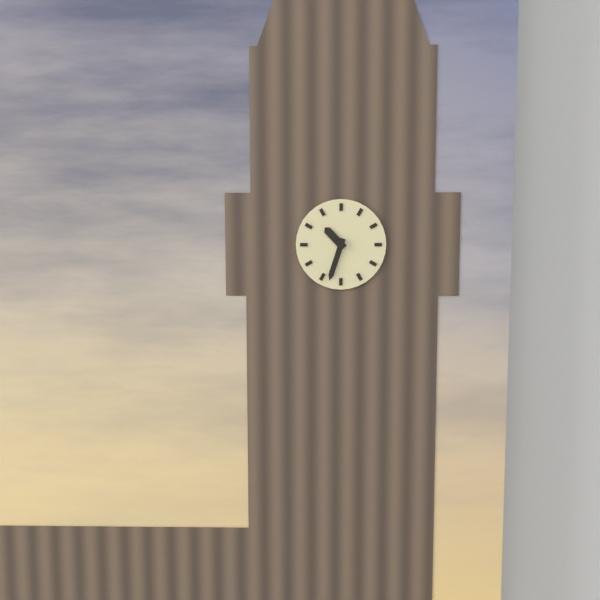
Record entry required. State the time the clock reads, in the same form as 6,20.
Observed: 10,33
